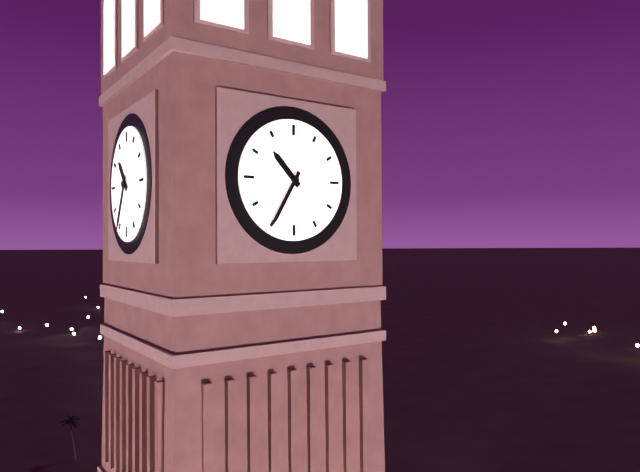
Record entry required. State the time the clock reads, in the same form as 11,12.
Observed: 10,35
